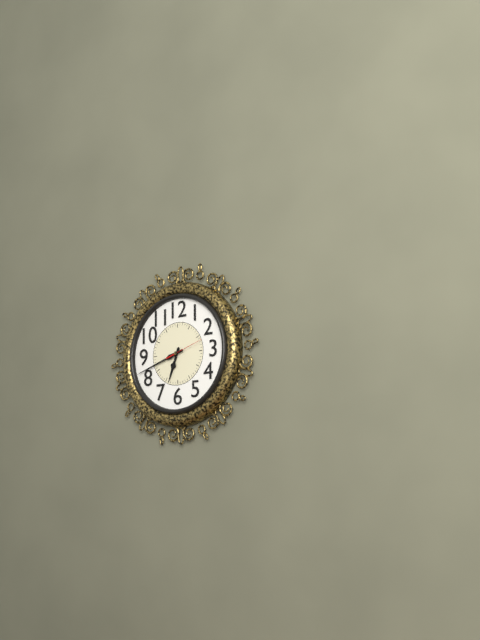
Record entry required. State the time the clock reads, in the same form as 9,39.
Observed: 6,42
